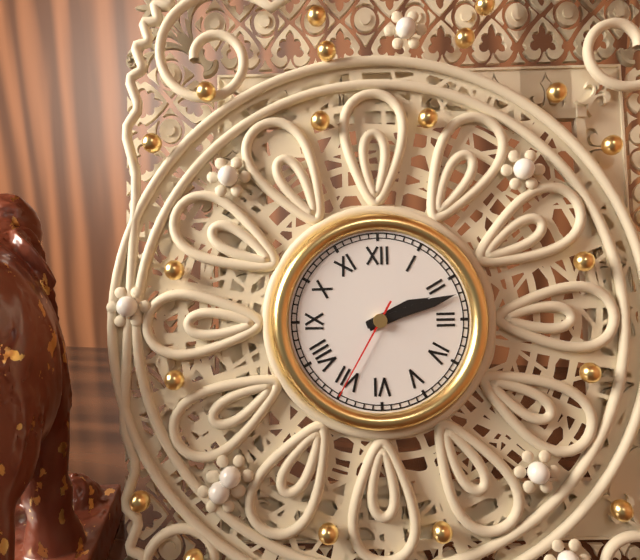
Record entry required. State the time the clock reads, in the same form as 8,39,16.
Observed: 2,12,35
